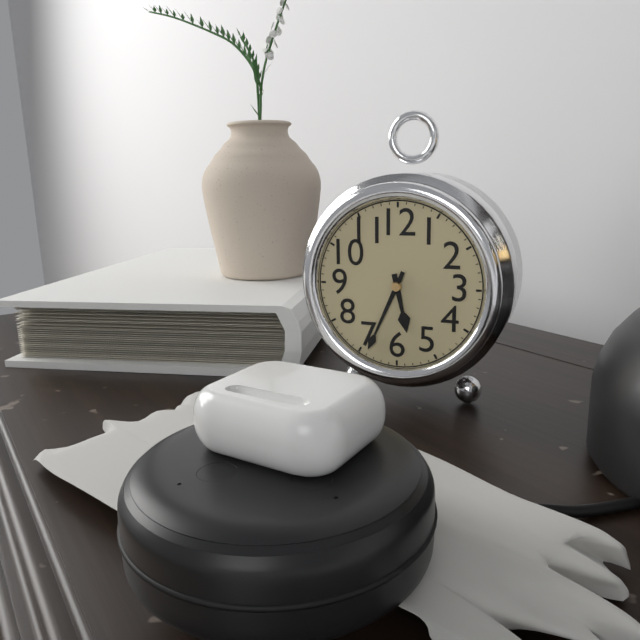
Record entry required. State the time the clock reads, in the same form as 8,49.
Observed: 5,34
